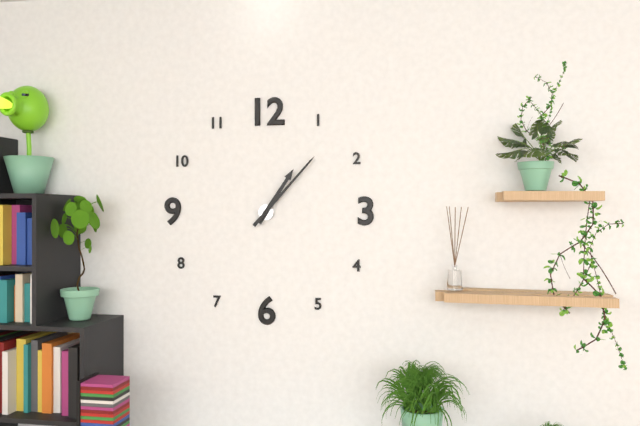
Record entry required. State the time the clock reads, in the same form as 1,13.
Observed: 1,07
